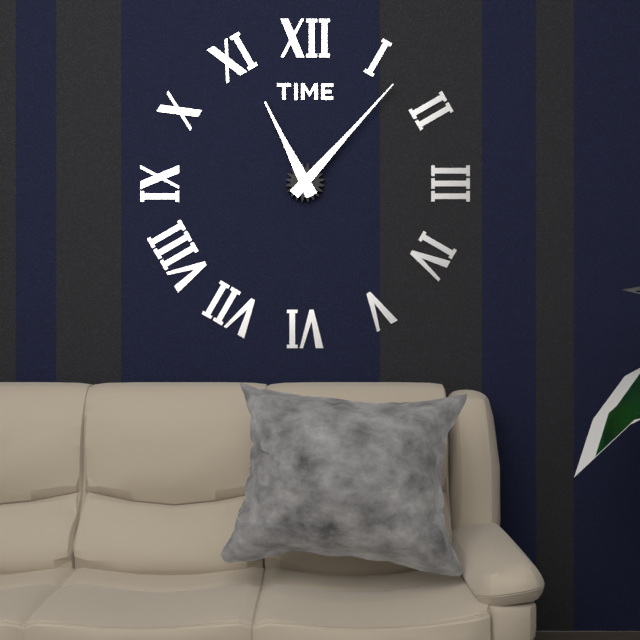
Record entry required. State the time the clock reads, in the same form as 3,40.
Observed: 11,07
